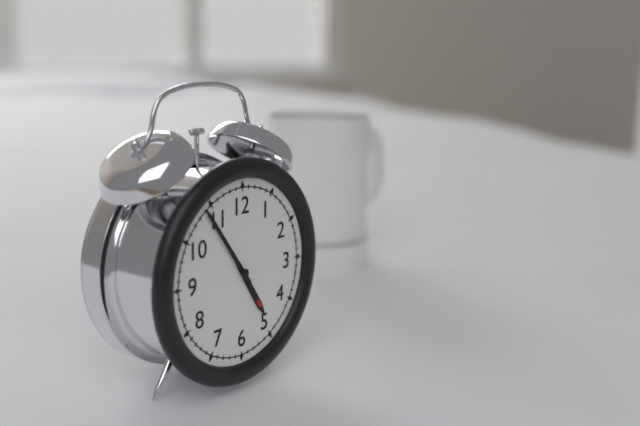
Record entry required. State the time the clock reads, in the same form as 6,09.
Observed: 4,54
